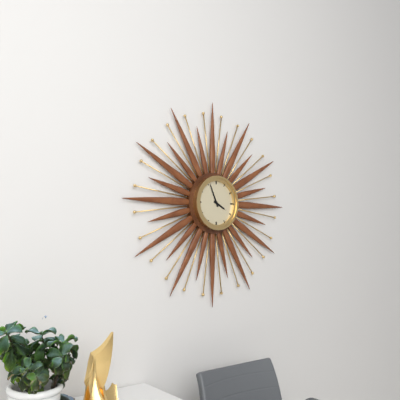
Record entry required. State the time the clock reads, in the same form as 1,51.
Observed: 3,56
